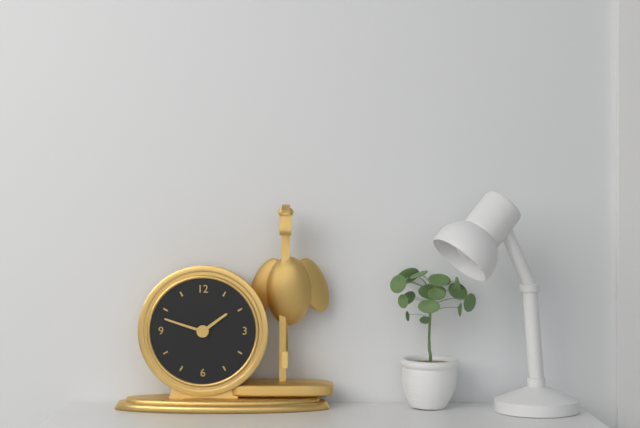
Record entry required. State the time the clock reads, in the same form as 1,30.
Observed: 1,48
